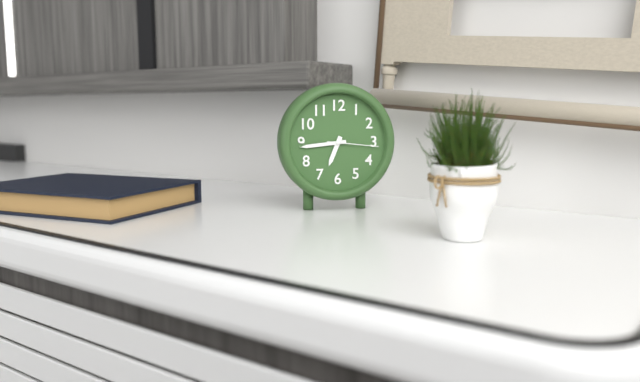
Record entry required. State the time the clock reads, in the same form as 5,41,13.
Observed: 6,44,16
